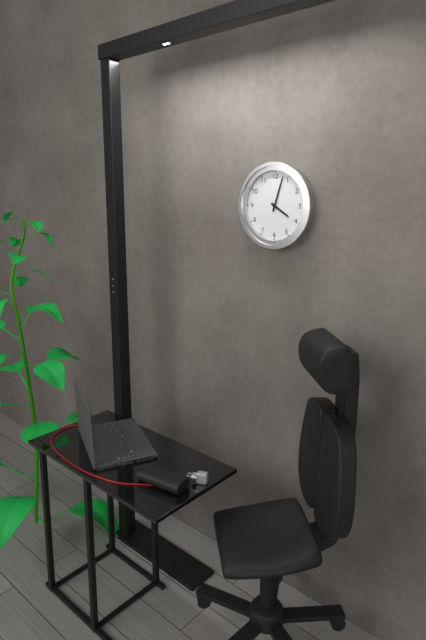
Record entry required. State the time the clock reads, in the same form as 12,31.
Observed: 4,03
